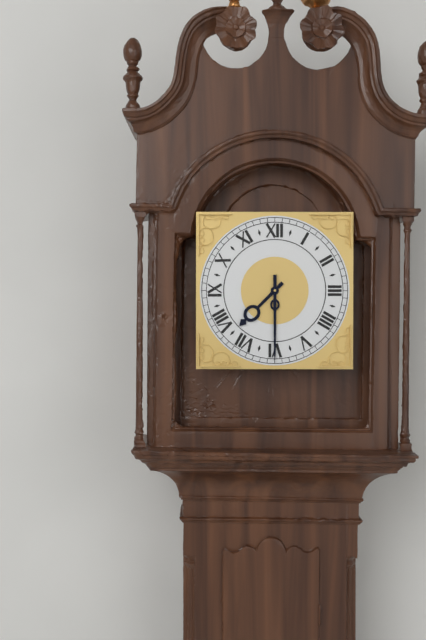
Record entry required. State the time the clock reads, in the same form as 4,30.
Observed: 7,30
